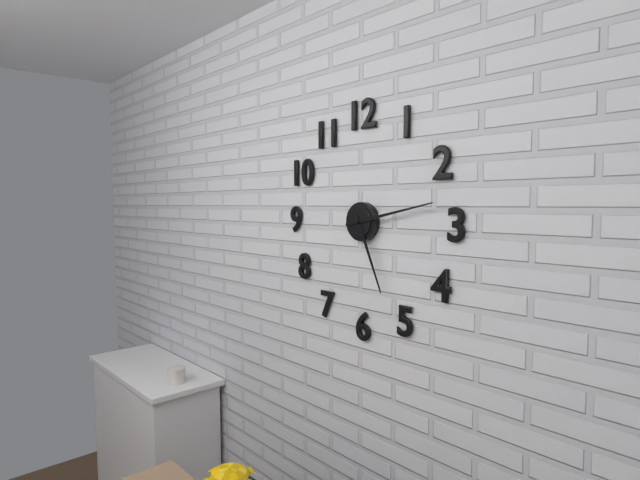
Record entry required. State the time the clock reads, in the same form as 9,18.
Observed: 5,13
